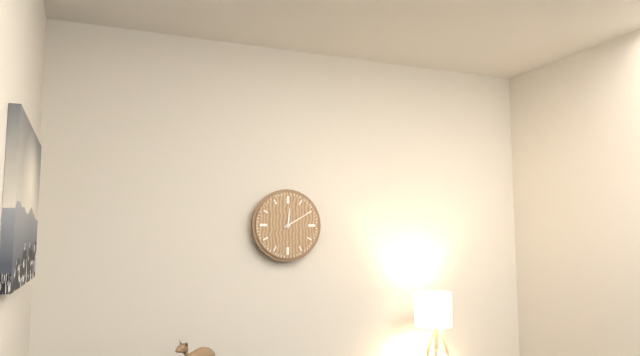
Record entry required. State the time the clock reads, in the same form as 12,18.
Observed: 12,10
